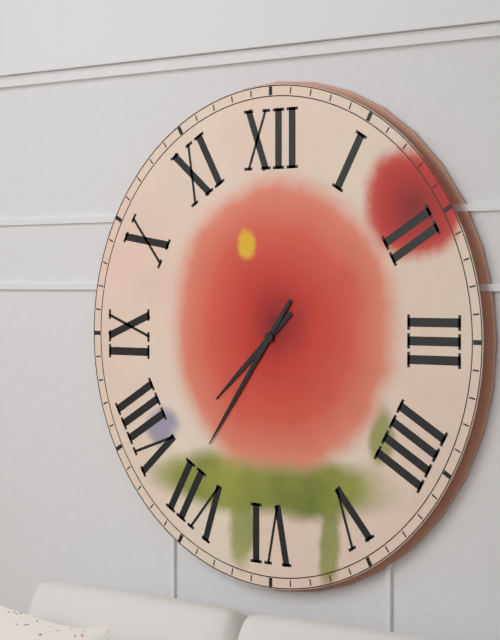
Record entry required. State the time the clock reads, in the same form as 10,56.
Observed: 7,36
